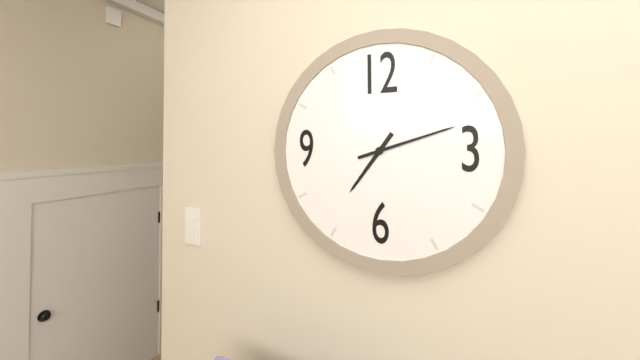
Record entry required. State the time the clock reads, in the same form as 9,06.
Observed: 7,12
